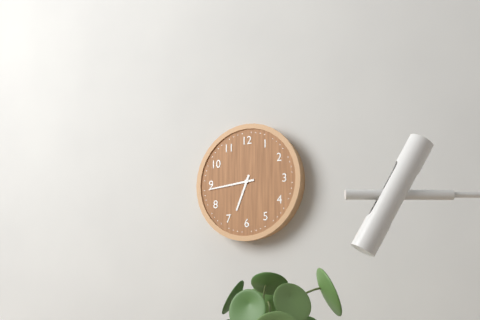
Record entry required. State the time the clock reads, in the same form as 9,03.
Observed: 6,44
